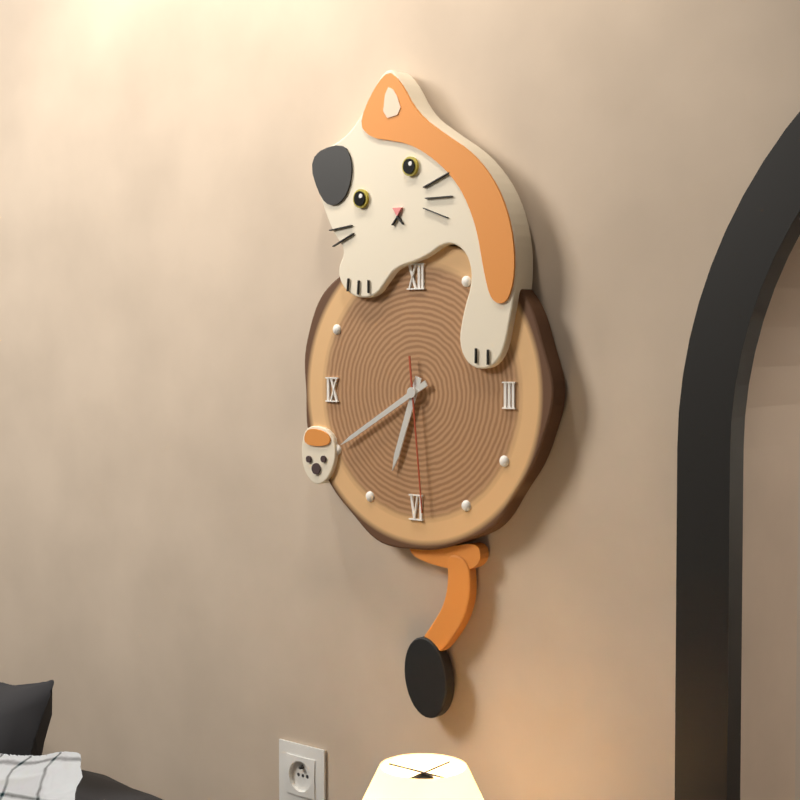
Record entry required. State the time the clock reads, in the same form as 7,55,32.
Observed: 6,40,29
